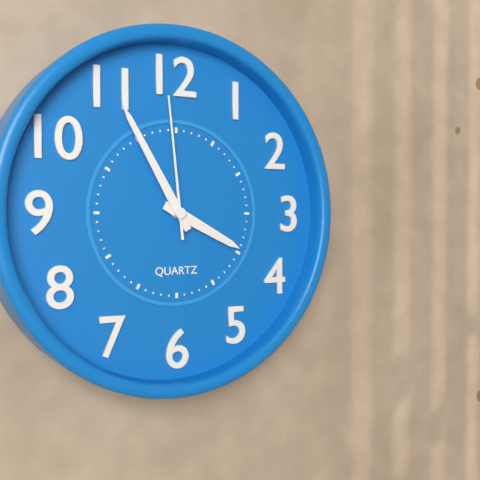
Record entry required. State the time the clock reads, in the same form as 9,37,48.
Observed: 3,55,59
